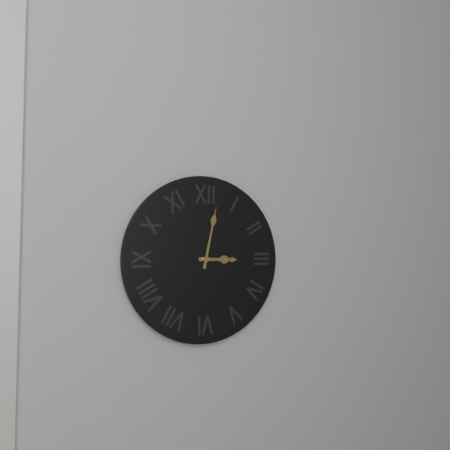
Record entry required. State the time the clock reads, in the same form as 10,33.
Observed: 3,02
